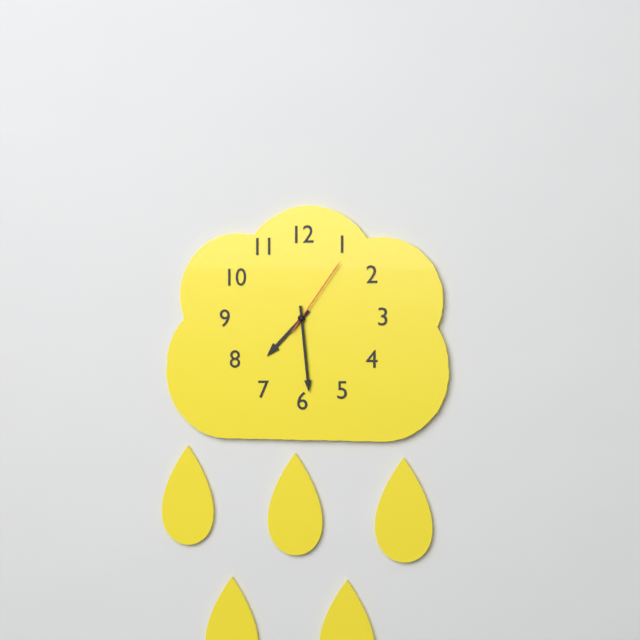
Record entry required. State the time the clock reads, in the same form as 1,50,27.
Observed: 7,29,06
